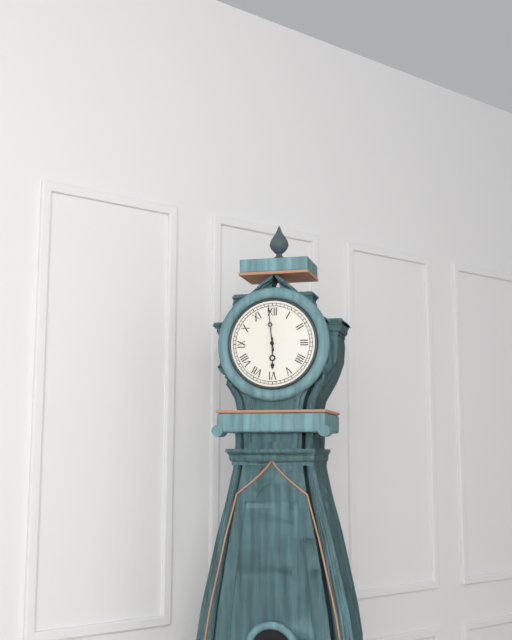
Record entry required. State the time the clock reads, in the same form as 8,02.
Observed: 5,59
